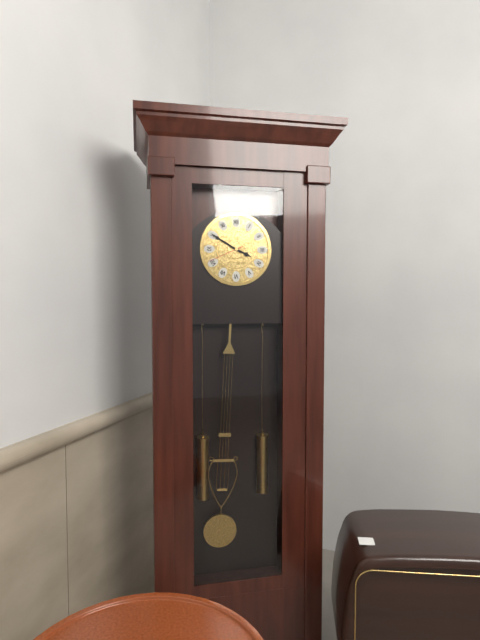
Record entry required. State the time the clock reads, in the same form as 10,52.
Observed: 3,50
